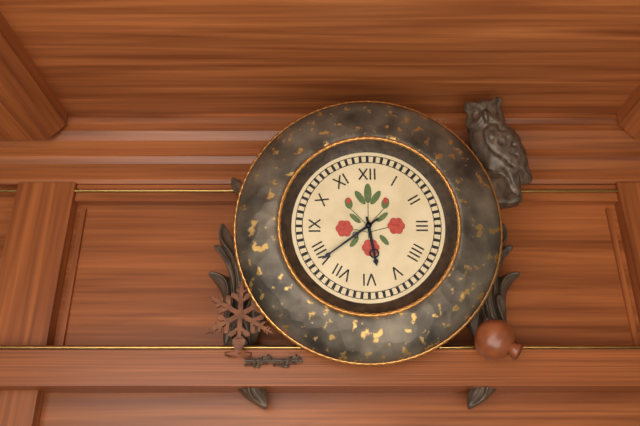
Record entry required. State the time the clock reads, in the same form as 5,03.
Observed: 5,39
